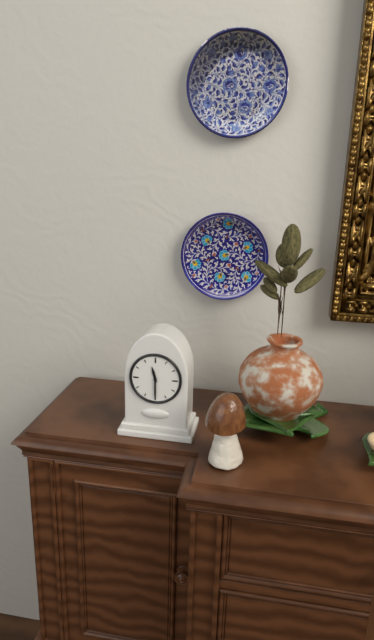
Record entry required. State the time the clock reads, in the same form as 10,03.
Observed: 11,30
